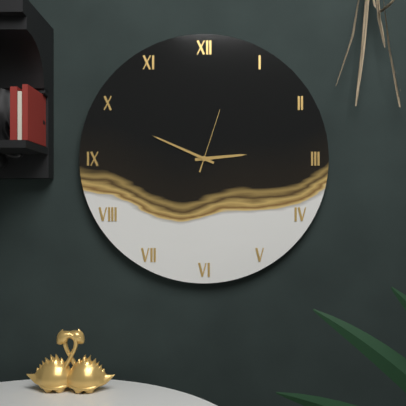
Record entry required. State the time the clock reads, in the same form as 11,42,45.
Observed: 2,49,03
